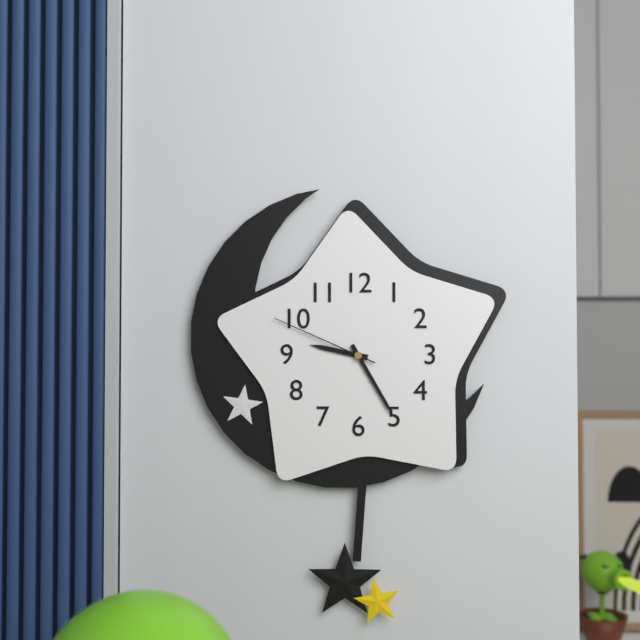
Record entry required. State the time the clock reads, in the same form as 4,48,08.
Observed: 9,25,49
